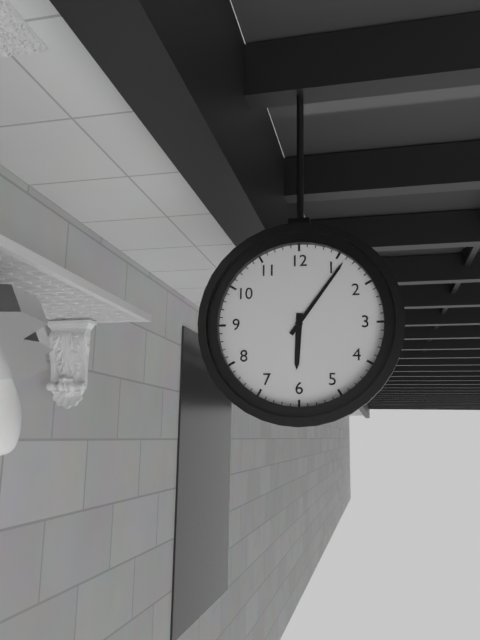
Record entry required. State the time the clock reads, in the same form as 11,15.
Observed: 6,06
